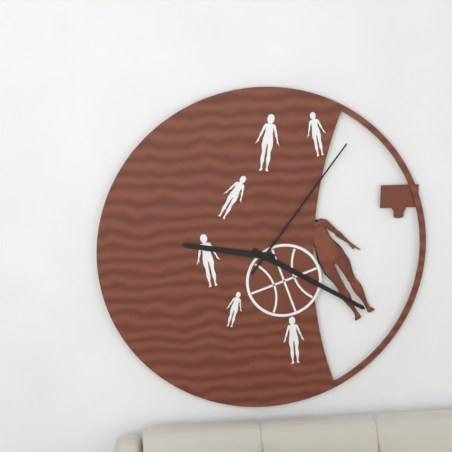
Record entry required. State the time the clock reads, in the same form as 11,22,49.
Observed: 9,20,06
